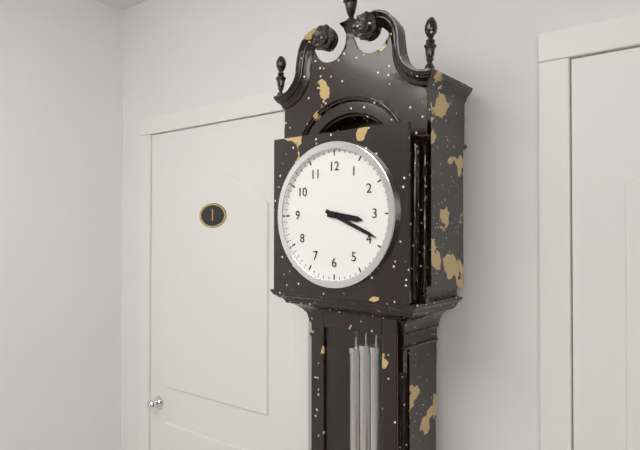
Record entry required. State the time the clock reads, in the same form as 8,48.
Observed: 3,19
